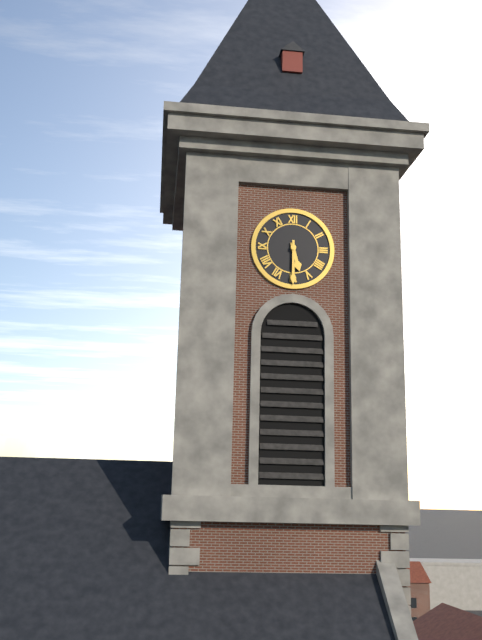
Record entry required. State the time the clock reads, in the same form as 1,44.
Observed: 5,30
